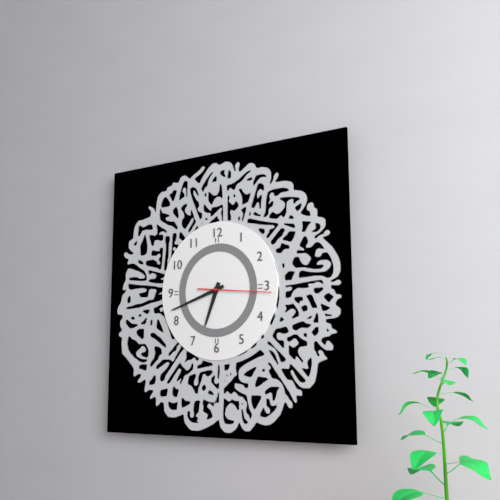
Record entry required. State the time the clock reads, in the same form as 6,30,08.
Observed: 6,42,16
